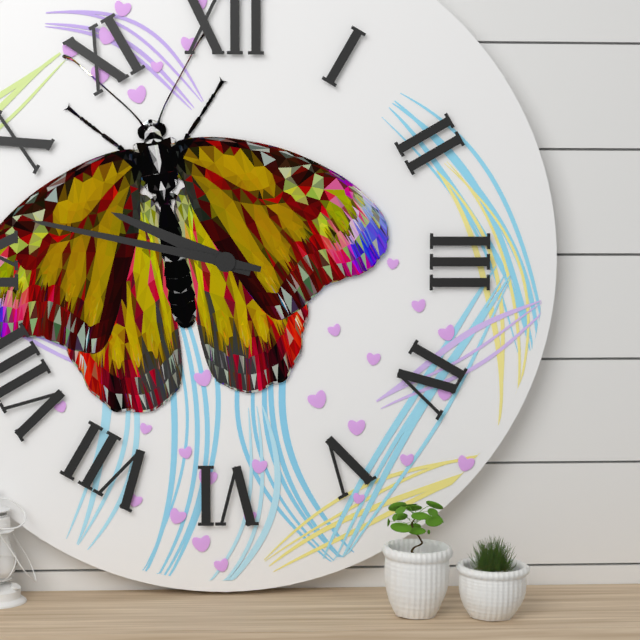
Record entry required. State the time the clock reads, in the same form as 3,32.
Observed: 9,47
